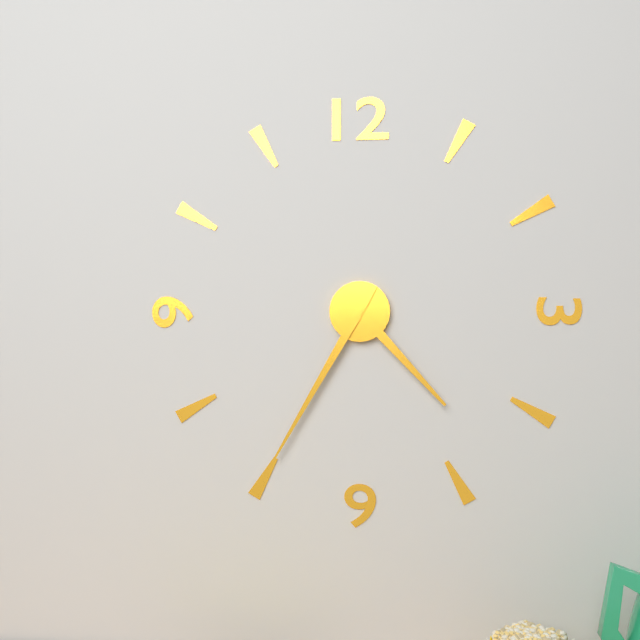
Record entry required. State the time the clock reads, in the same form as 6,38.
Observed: 4,35
